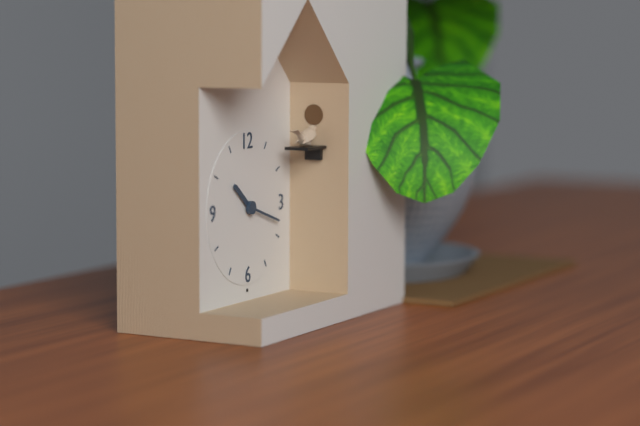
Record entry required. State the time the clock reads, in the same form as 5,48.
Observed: 10,18
